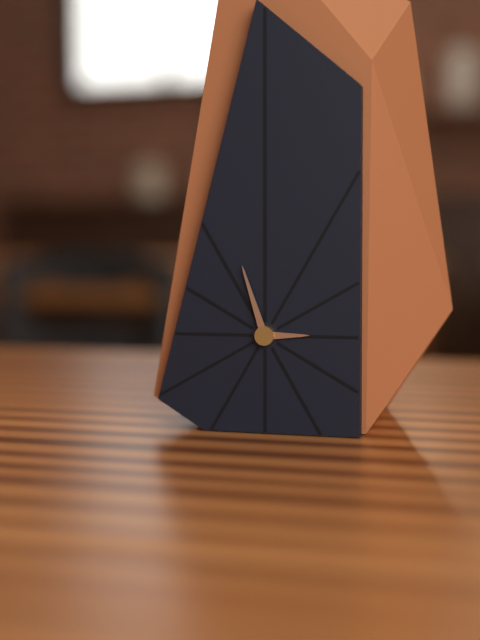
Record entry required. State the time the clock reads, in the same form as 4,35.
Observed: 2,57
